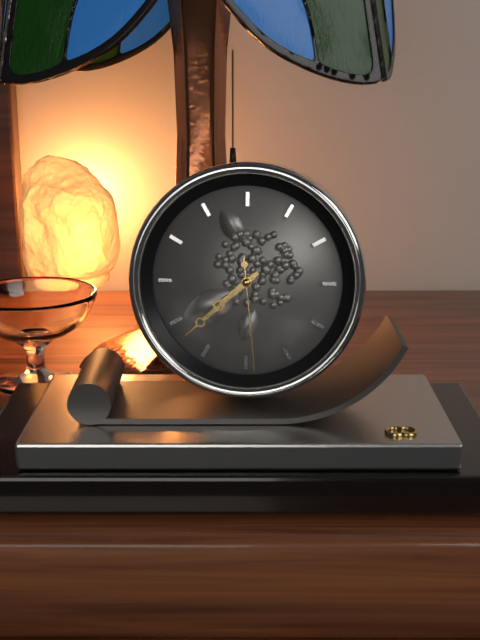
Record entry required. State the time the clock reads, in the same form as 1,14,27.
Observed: 7,38,29
